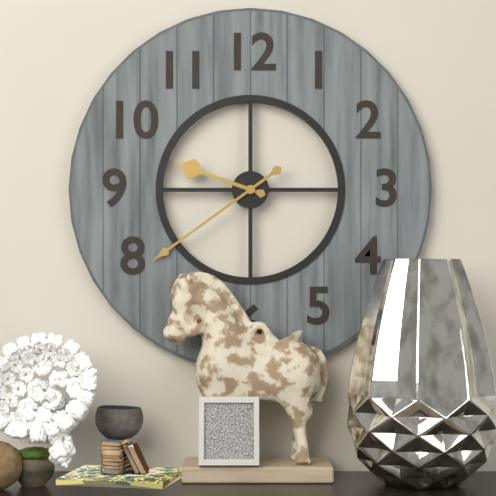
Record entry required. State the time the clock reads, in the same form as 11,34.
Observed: 9,39
